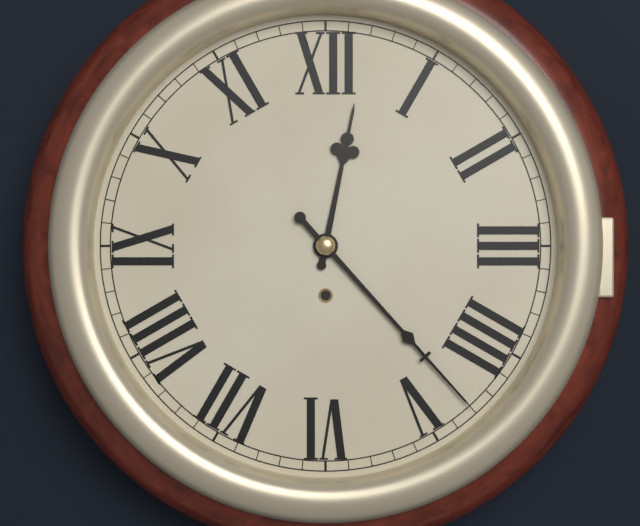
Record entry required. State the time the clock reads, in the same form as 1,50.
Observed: 12,23
